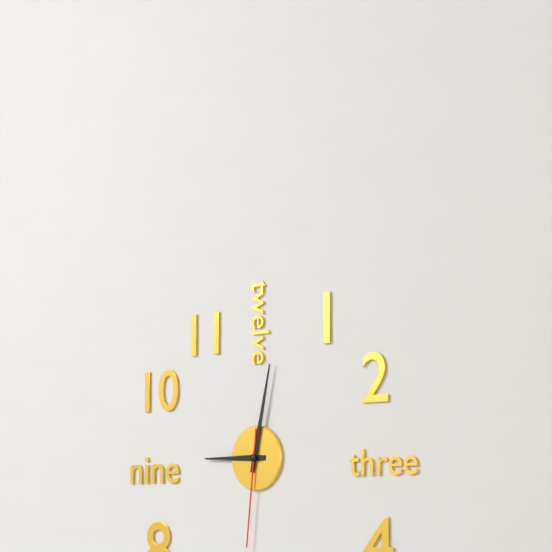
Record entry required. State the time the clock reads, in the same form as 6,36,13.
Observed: 9,02,31
